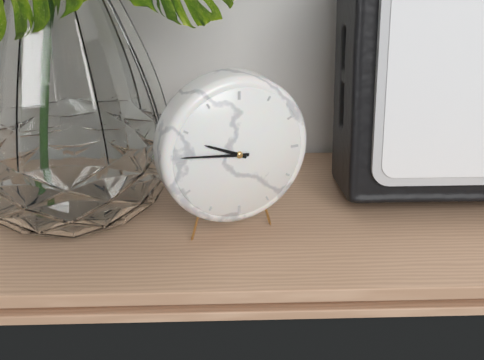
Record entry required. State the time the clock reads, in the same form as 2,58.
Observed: 9,46
